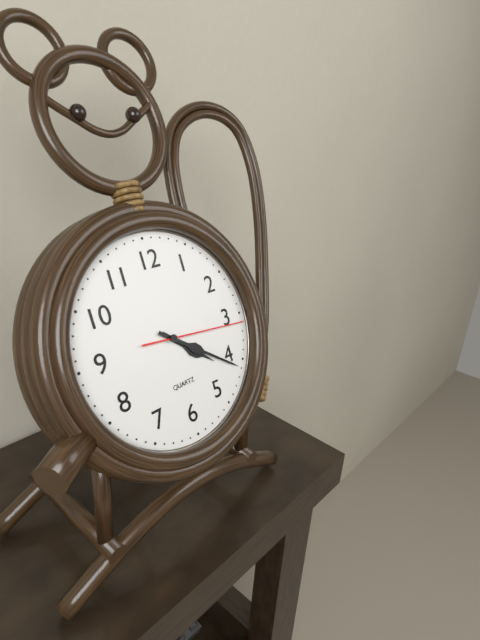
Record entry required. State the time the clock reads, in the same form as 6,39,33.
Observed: 4,21,16
